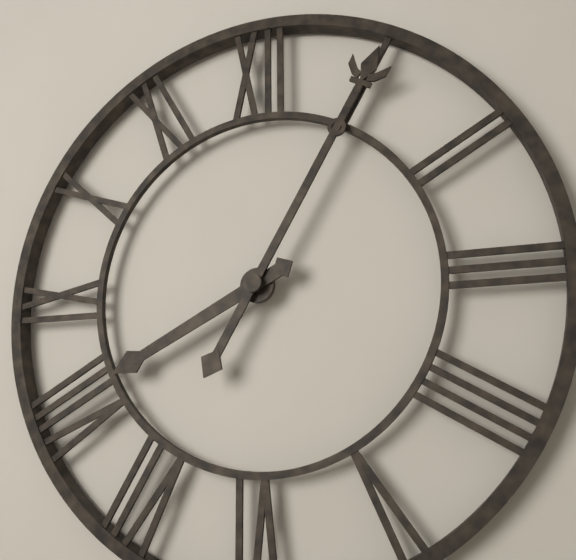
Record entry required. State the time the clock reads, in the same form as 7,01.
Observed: 8,05
